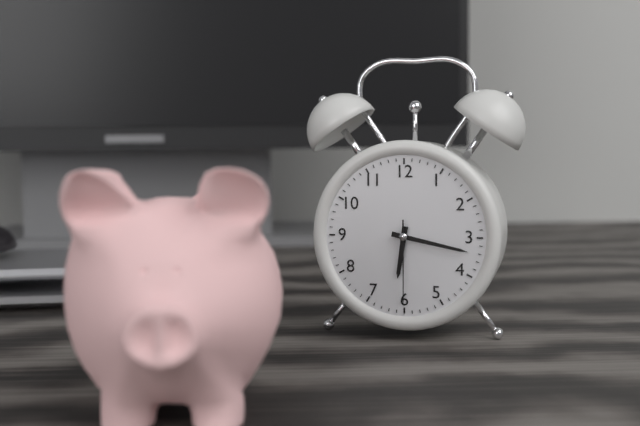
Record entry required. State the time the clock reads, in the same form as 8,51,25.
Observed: 6,17,30
